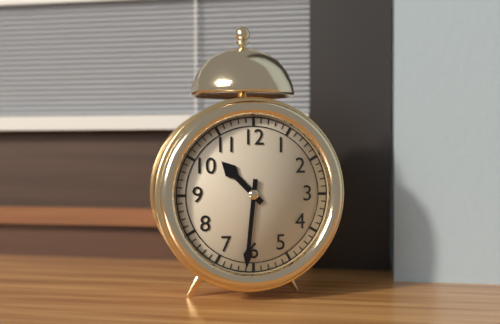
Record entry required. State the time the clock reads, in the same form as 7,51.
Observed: 10,31
